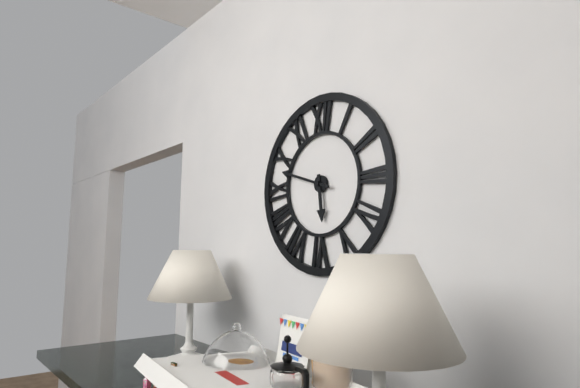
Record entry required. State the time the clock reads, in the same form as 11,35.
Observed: 5,48
